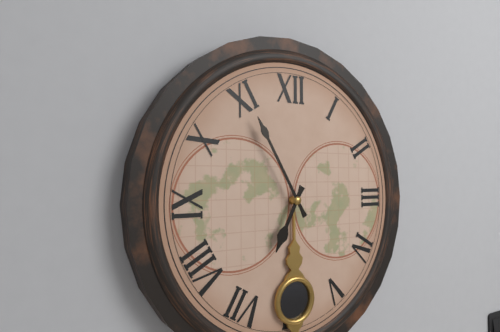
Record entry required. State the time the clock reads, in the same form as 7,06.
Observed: 6,55
